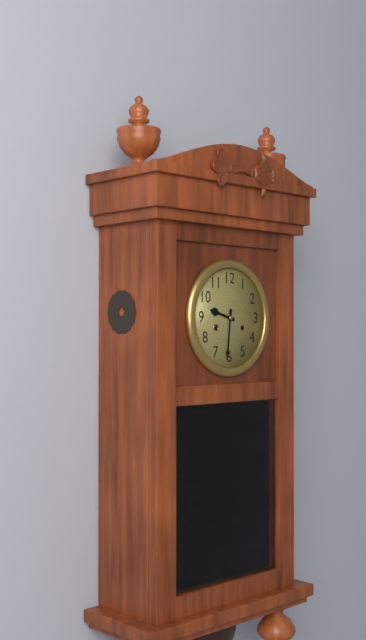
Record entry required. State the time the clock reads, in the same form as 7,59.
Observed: 9,31
